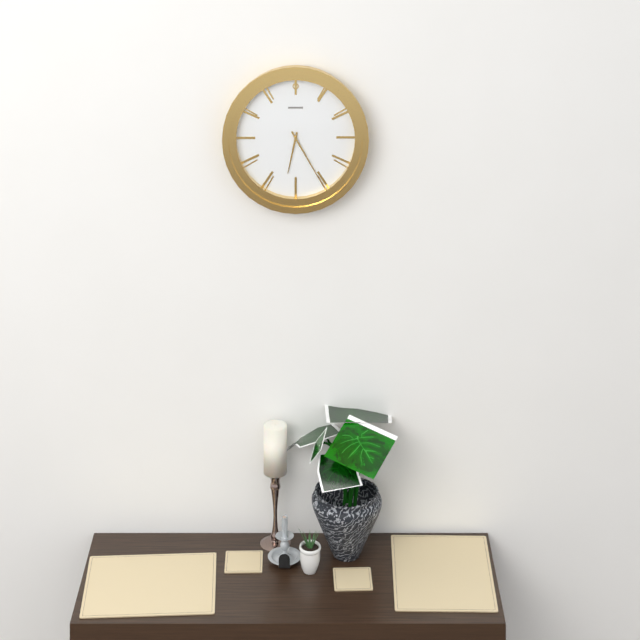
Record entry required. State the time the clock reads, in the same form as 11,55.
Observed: 6,25
